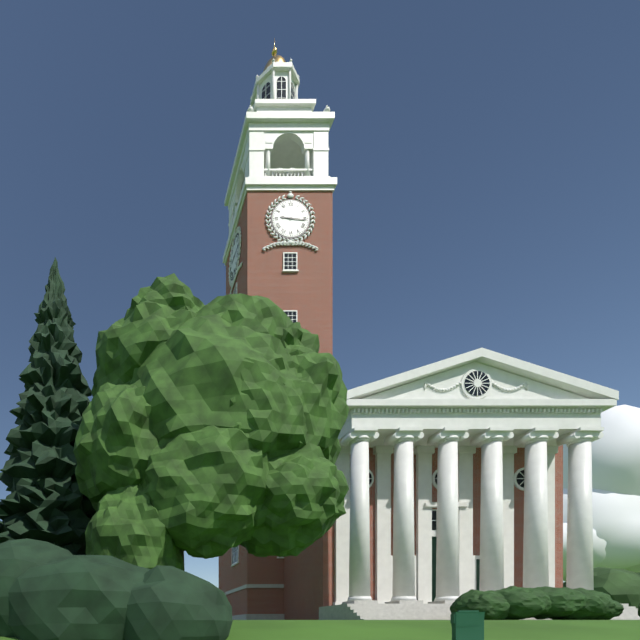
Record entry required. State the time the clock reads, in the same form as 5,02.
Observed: 9,16
